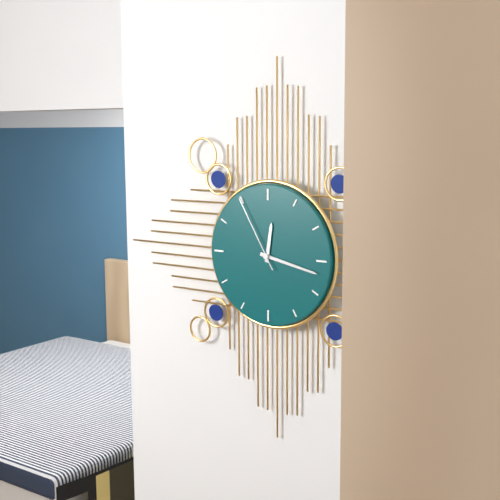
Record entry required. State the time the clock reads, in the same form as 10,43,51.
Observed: 12,17,55
